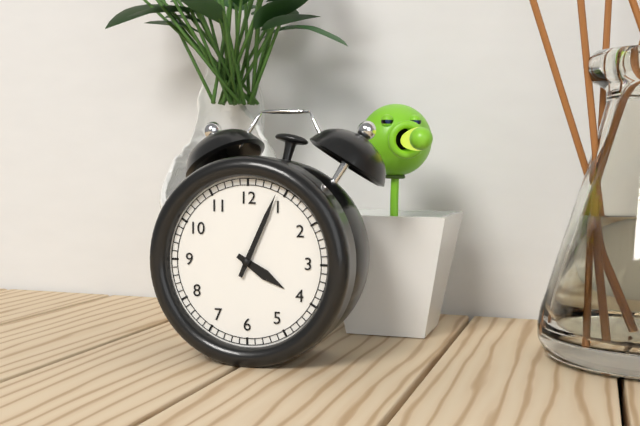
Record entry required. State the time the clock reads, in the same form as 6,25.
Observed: 4,04
